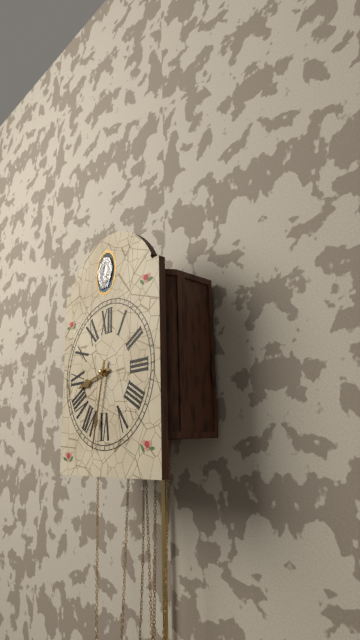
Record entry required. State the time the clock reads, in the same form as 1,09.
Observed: 8,32
